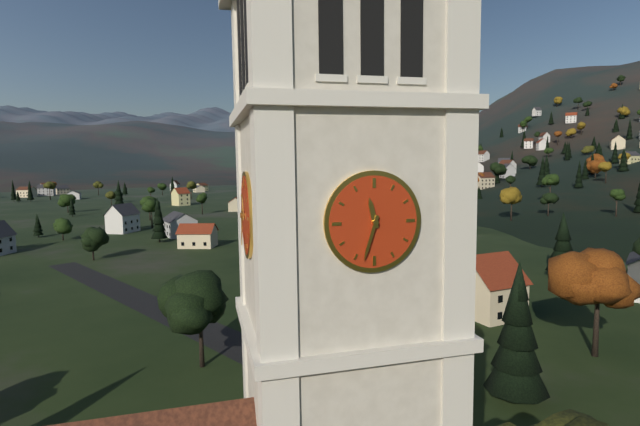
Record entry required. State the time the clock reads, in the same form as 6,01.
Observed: 11,33
